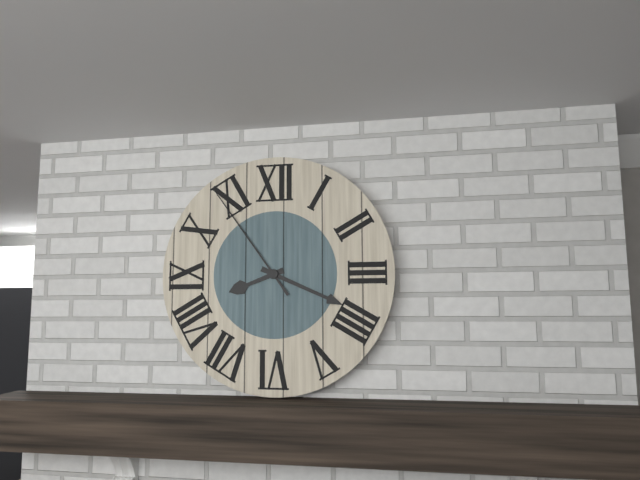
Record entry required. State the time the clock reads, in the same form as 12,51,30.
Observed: 8,19,54
